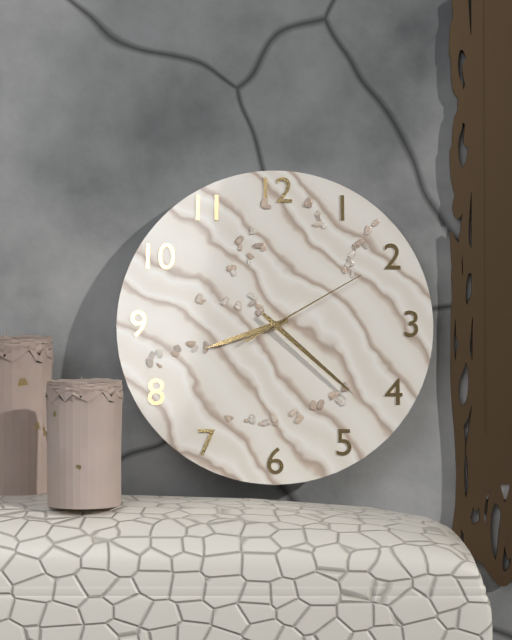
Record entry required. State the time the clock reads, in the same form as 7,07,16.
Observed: 8,22,10
